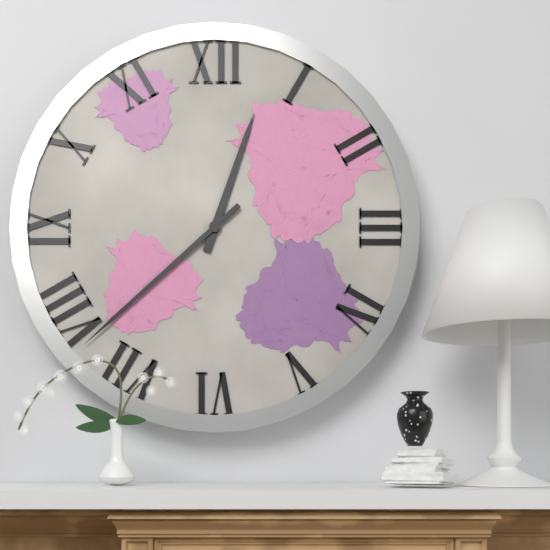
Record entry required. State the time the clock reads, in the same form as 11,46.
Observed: 12,38
